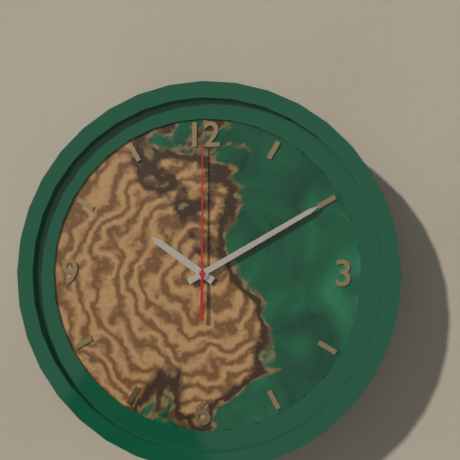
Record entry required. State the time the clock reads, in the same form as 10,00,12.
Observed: 10,10,00
